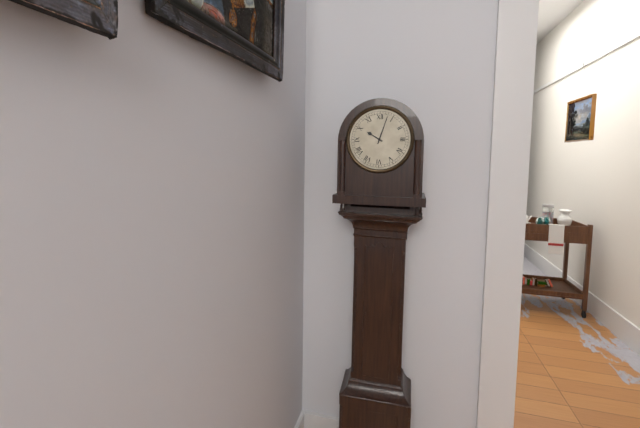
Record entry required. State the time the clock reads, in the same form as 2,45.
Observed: 10,03
